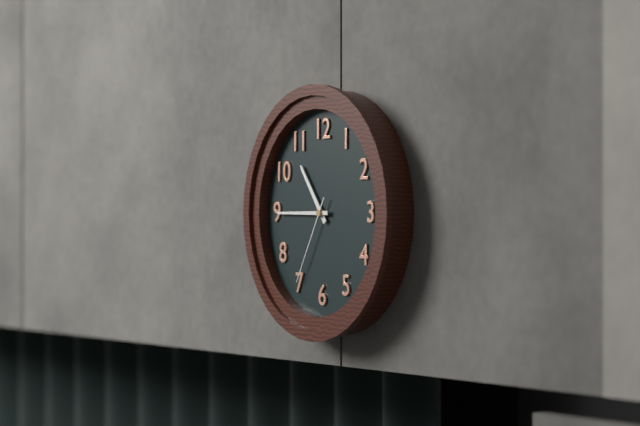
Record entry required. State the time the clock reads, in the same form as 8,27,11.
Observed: 10,45,35
